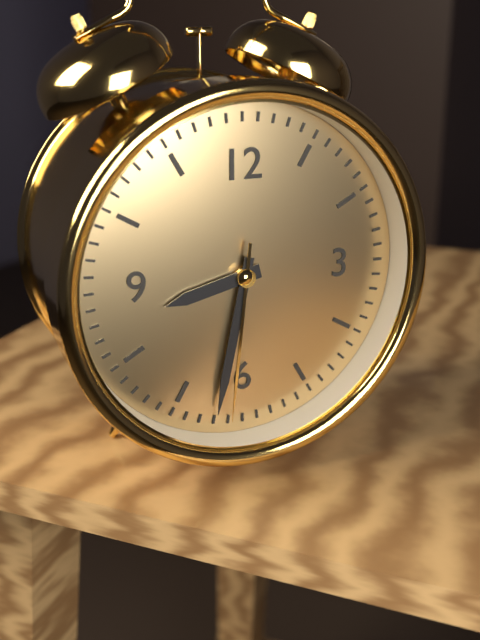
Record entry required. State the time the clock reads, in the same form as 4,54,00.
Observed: 8,32,31
